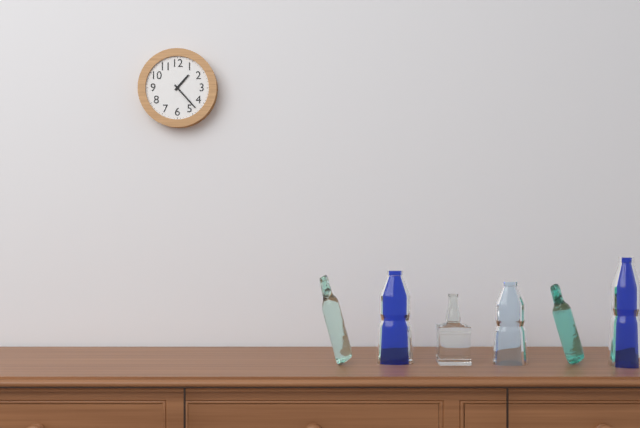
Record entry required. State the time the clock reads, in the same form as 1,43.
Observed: 1,23
